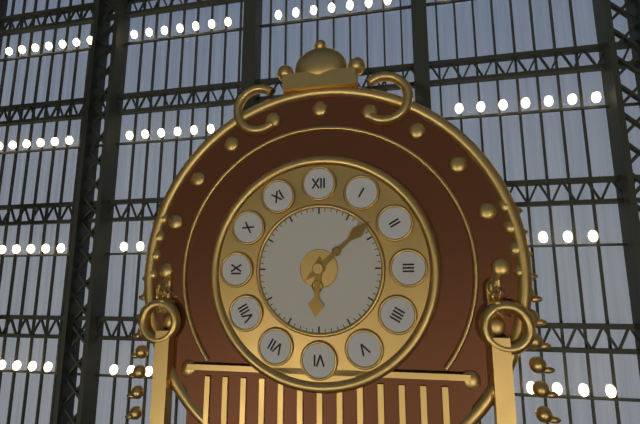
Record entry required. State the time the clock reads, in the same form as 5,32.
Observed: 6,08
